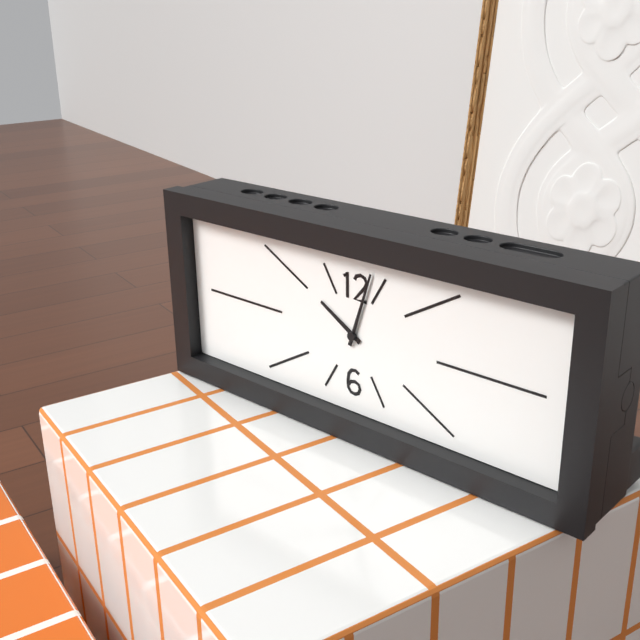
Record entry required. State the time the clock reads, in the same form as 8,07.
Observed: 10,03
